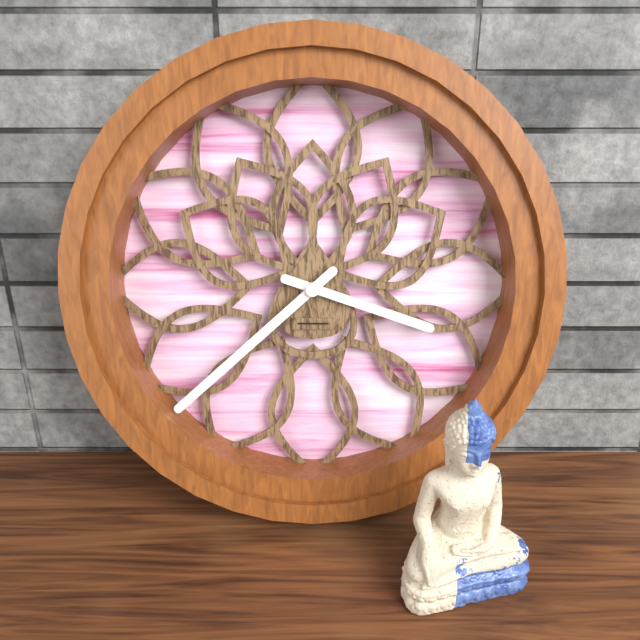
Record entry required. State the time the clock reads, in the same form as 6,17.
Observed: 3,38
